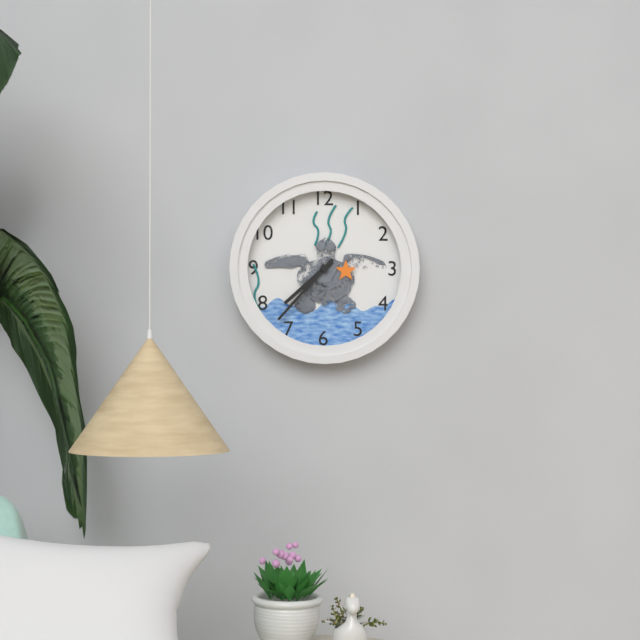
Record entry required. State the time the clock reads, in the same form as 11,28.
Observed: 7,37
